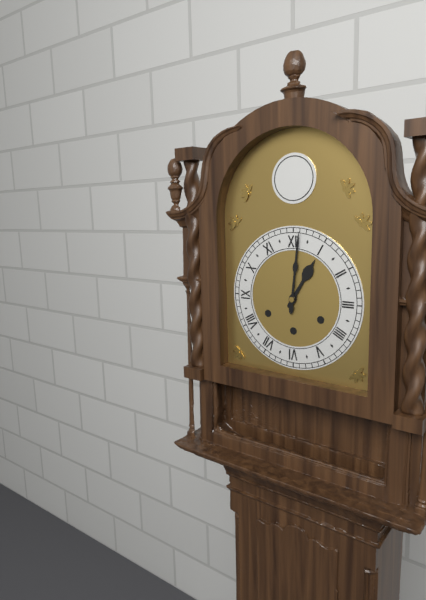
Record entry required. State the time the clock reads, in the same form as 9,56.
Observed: 1,01
